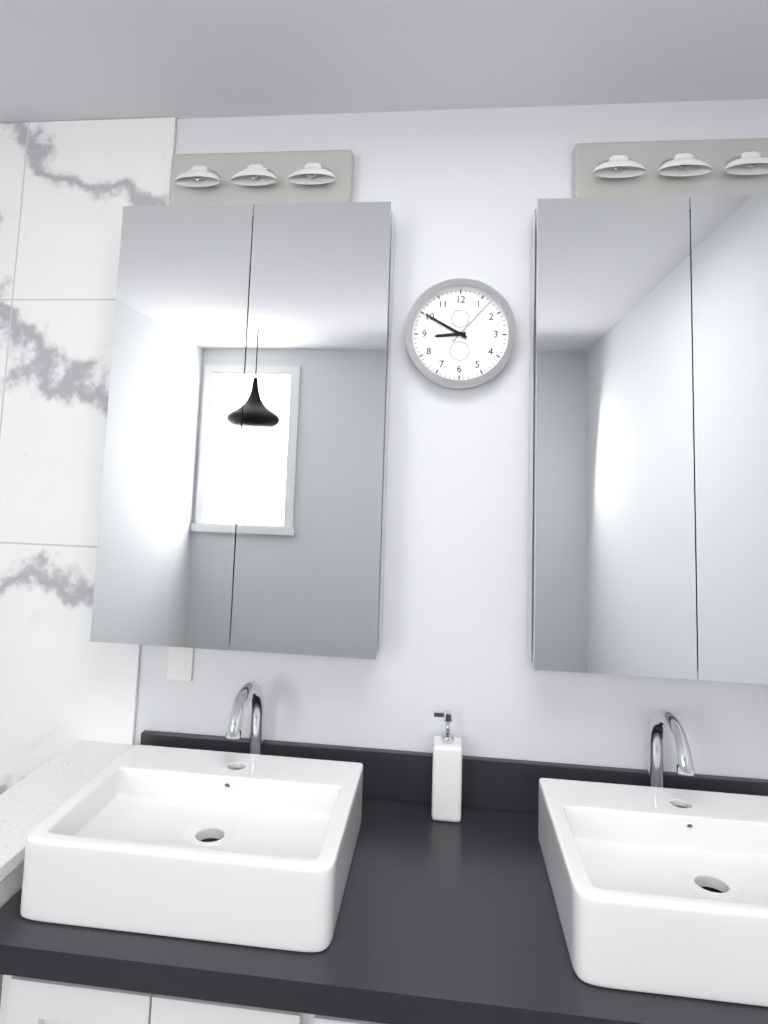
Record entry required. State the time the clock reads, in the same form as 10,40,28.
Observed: 8,50,07
